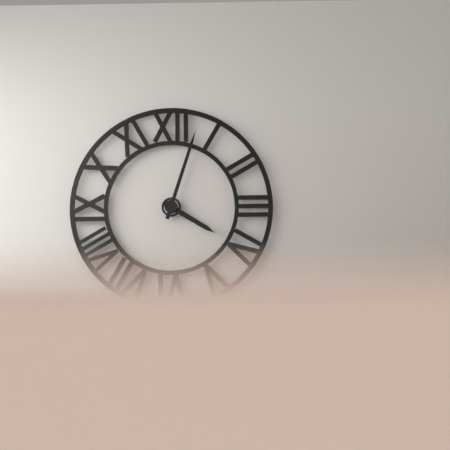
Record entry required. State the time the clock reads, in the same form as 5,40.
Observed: 4,03
